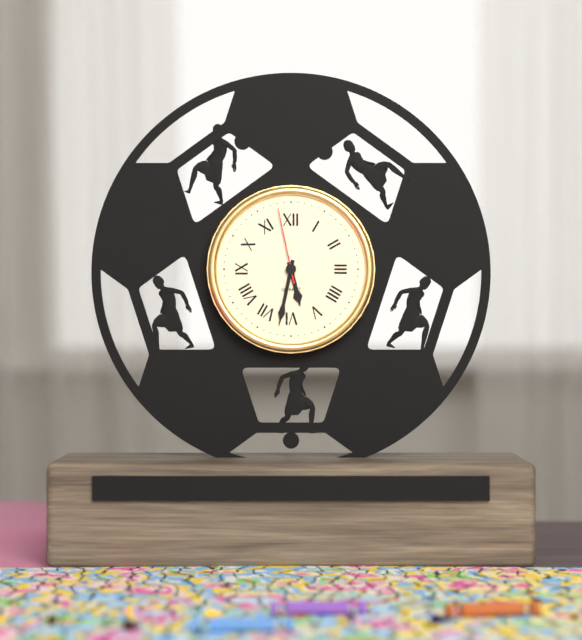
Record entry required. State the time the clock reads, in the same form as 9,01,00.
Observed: 5,32,58
